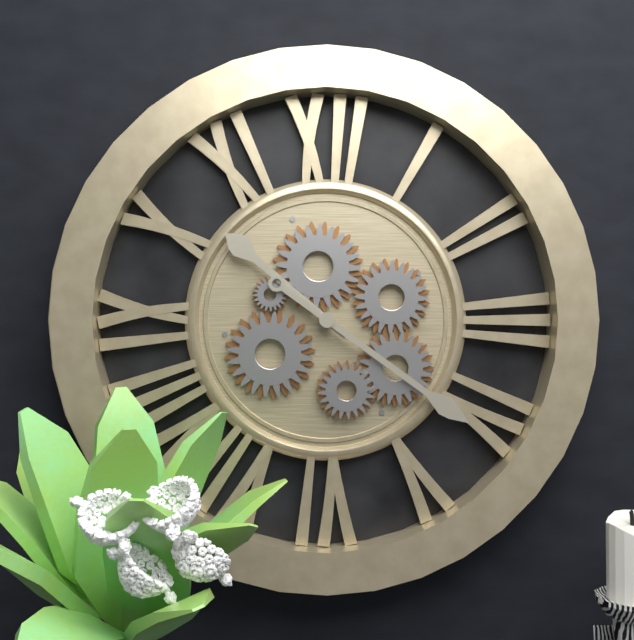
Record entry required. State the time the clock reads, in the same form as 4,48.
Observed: 10,21
